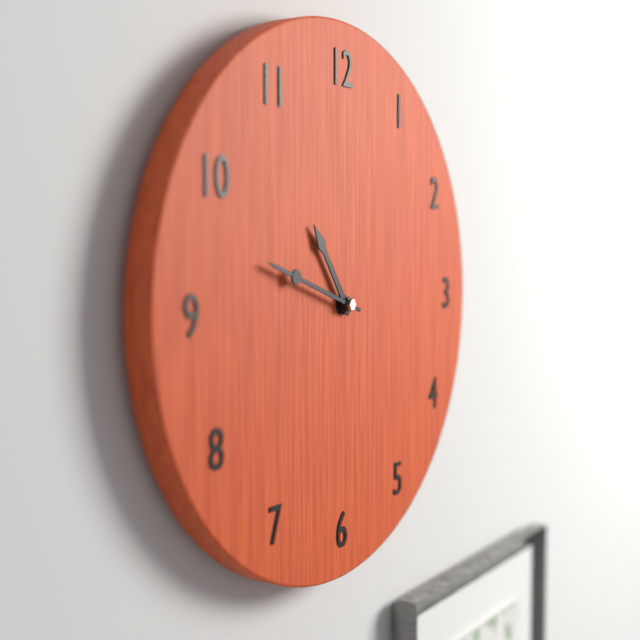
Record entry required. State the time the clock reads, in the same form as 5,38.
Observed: 10,48
